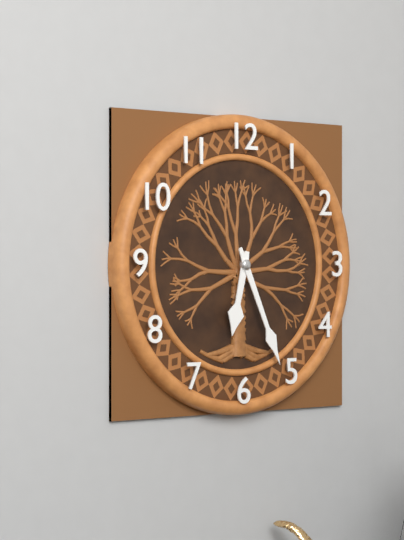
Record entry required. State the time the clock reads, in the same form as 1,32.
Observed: 6,26
